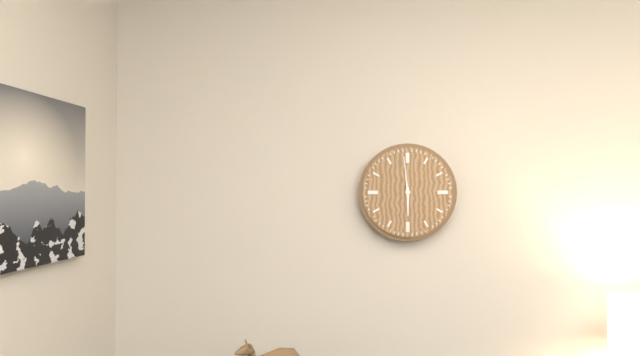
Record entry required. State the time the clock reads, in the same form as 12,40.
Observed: 5,59
